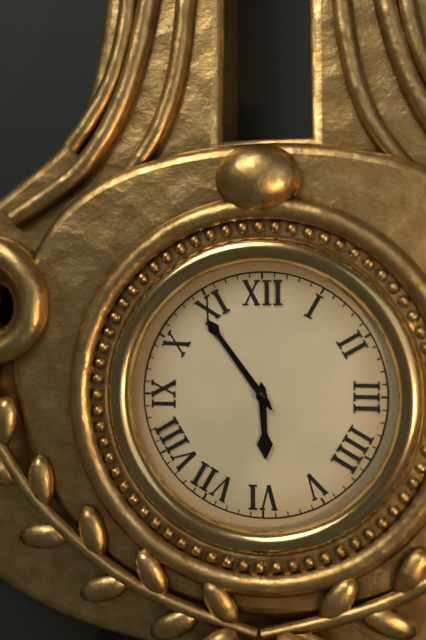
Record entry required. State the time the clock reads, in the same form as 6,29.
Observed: 5,54
